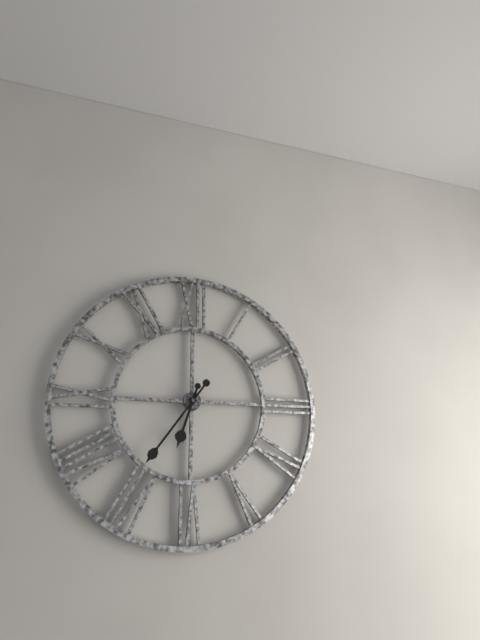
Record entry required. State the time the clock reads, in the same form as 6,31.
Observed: 6,36
